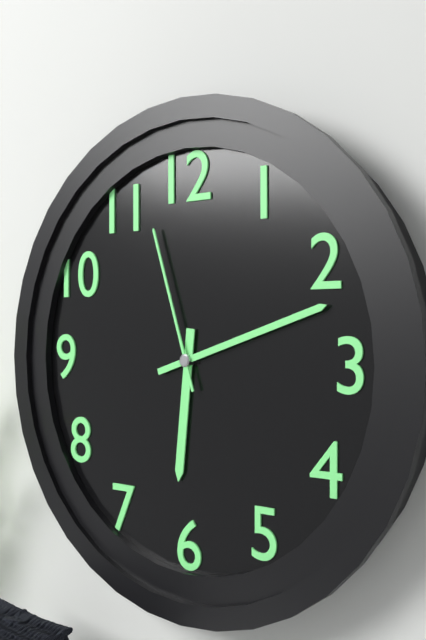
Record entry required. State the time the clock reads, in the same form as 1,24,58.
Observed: 6,12,57
